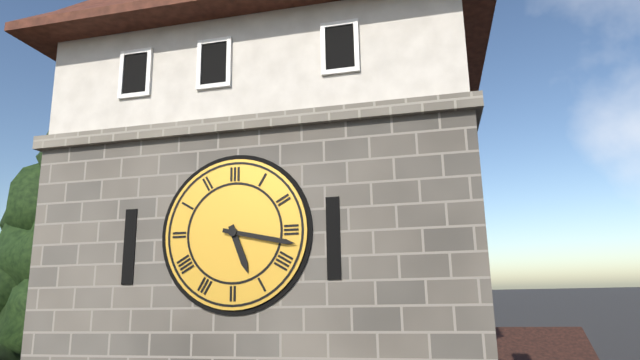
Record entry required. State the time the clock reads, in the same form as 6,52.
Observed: 5,17
